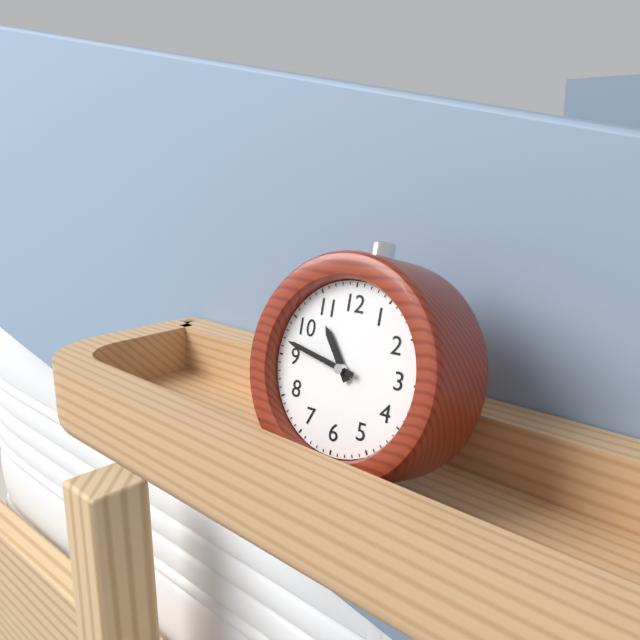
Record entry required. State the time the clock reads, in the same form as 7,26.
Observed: 10,47
